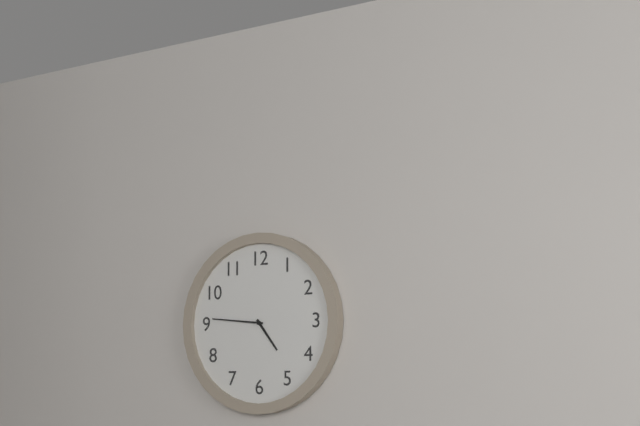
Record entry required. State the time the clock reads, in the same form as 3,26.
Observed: 4,46
